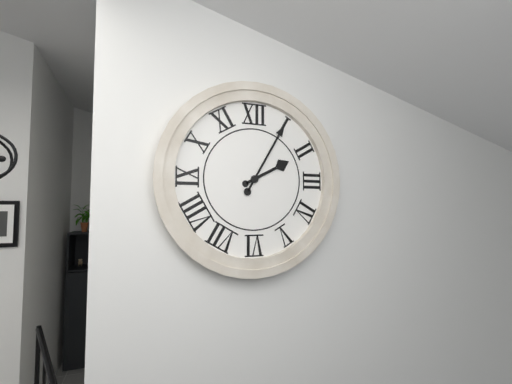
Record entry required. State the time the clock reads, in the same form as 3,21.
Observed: 2,05
